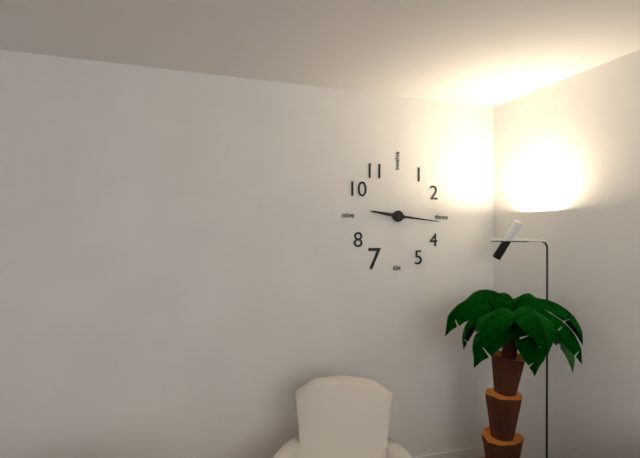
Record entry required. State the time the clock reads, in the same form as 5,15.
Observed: 9,16
